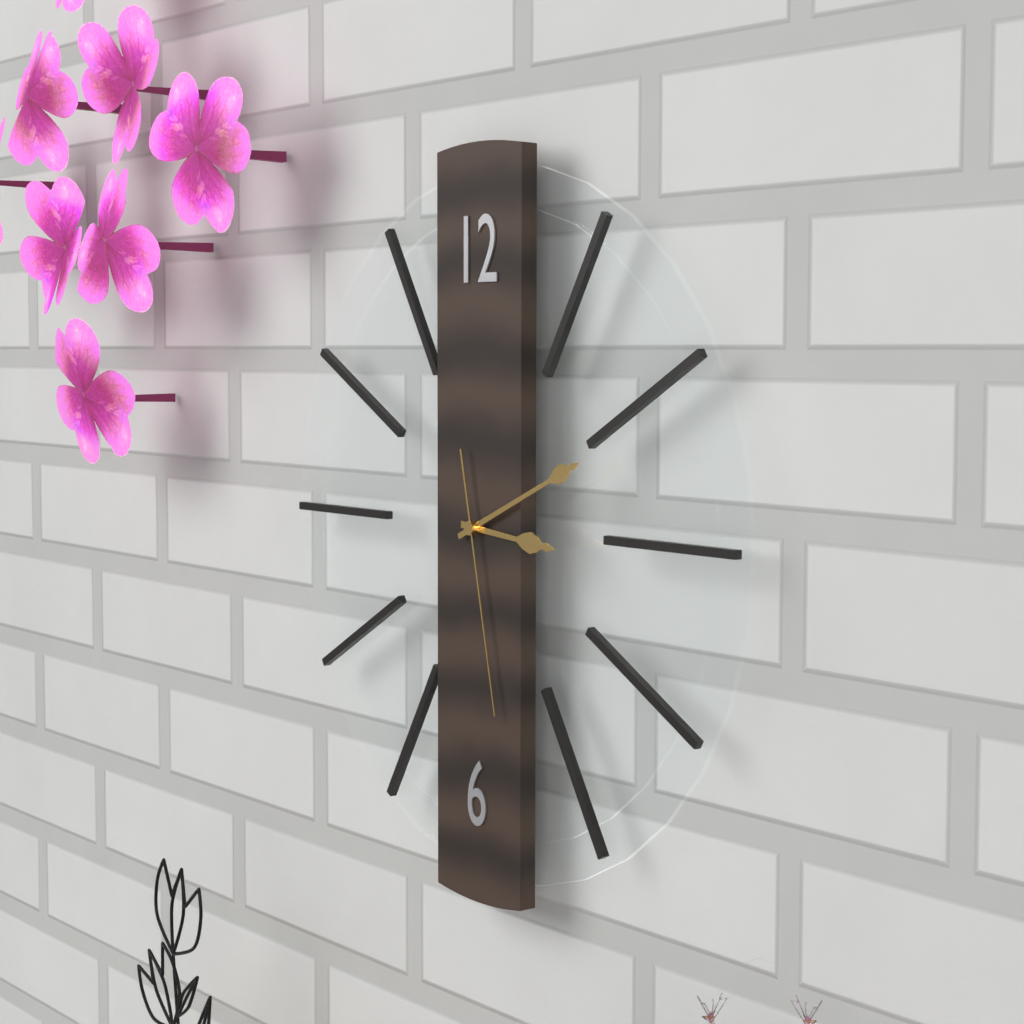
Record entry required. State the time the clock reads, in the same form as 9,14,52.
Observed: 3,11,28
